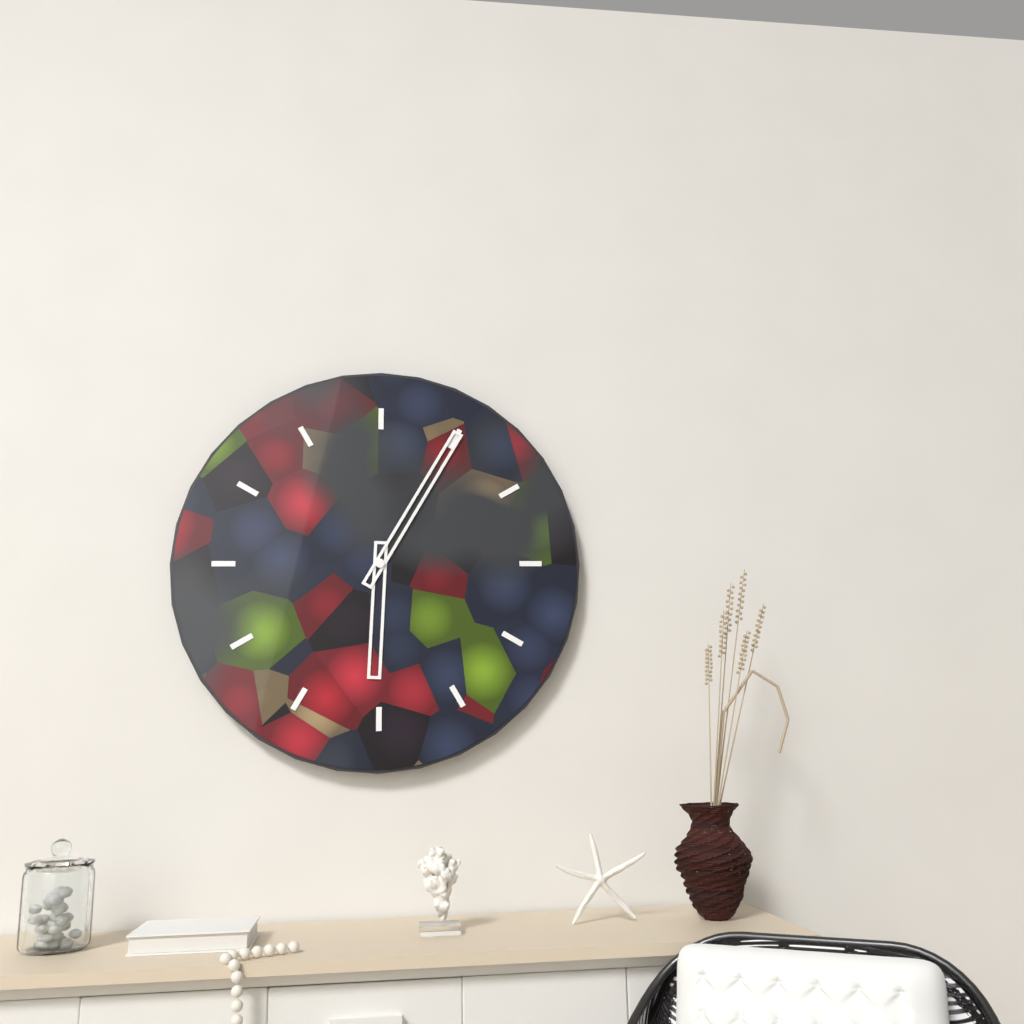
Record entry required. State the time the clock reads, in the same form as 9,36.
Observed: 6,05
